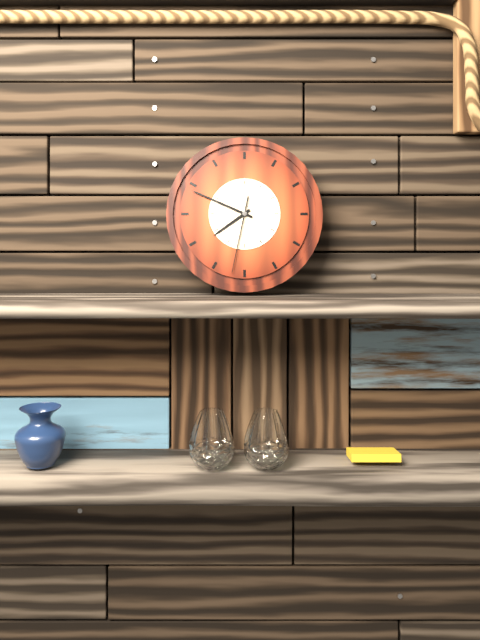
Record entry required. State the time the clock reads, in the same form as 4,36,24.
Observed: 7,49,32
